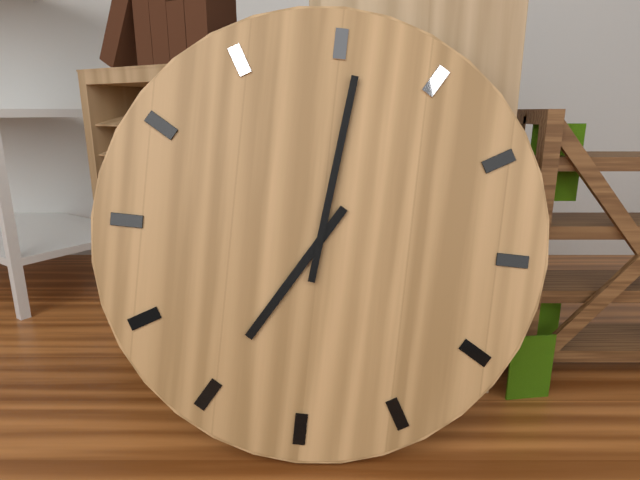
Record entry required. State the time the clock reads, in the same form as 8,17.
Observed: 7,01
